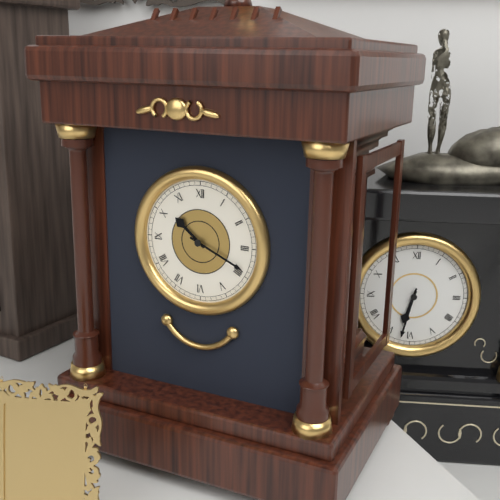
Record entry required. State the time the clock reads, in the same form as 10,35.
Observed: 10,19
